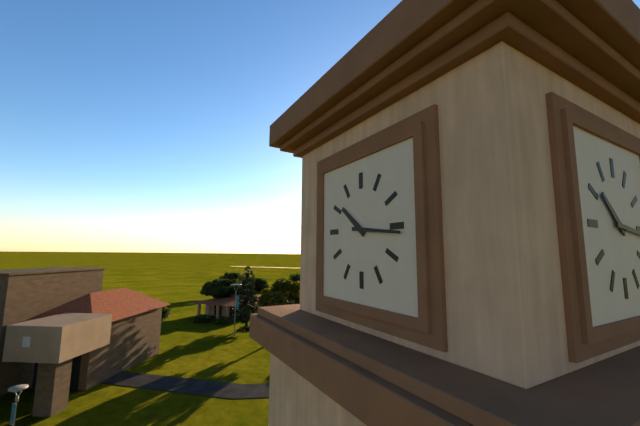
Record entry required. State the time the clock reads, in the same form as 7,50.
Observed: 10,16
